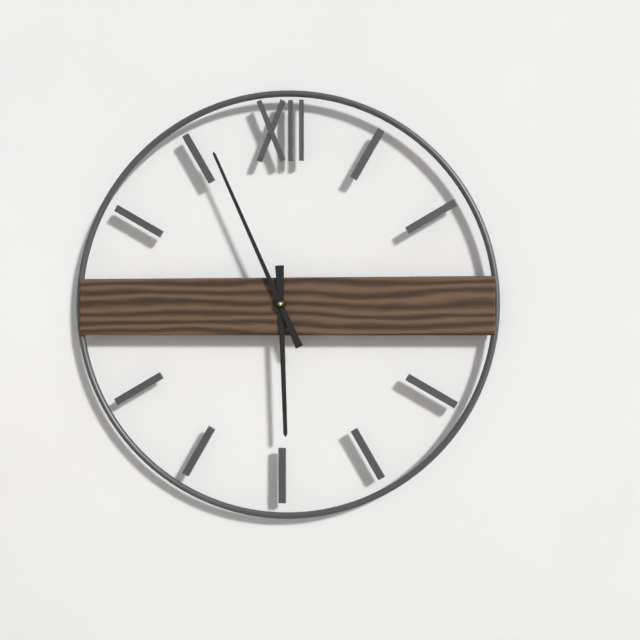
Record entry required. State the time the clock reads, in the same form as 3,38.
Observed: 5,56
